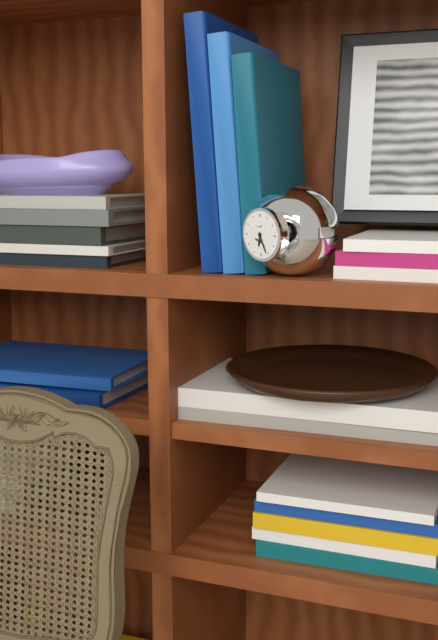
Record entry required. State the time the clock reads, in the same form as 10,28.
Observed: 6,26
